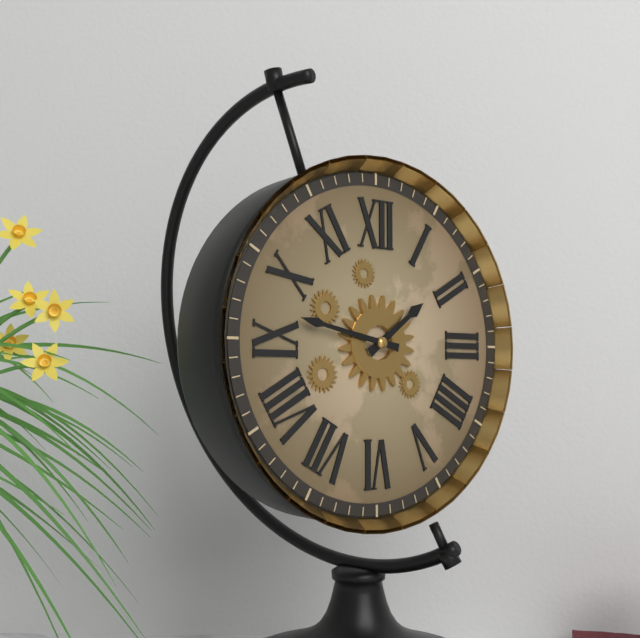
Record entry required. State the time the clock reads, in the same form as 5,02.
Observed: 1,47
